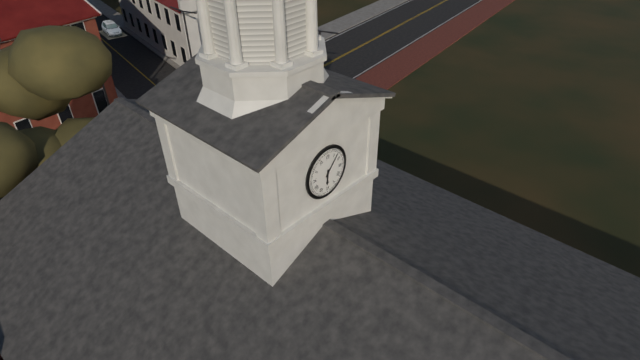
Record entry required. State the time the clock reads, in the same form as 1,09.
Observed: 6,07
